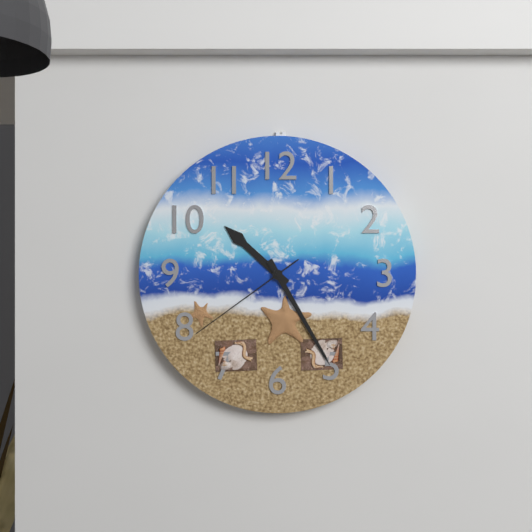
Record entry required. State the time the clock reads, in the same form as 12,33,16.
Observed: 10,25,39
